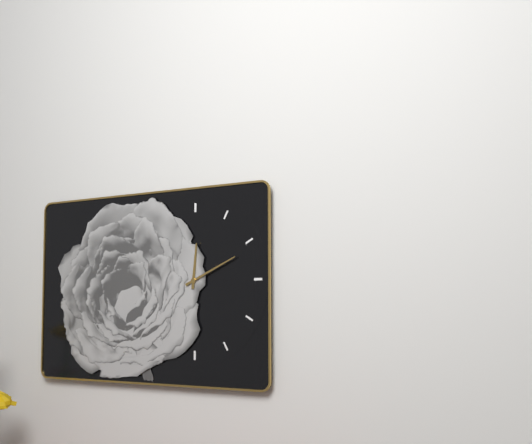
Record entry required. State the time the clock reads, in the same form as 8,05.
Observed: 12,11
